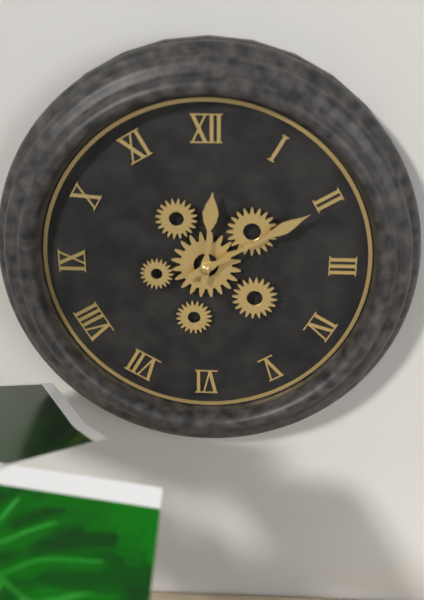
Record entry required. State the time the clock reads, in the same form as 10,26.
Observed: 12,10
